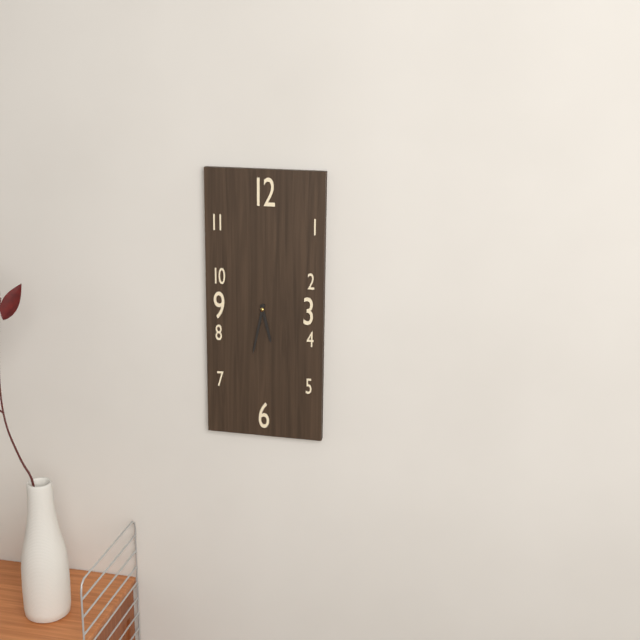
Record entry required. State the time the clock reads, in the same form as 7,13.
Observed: 5,32
